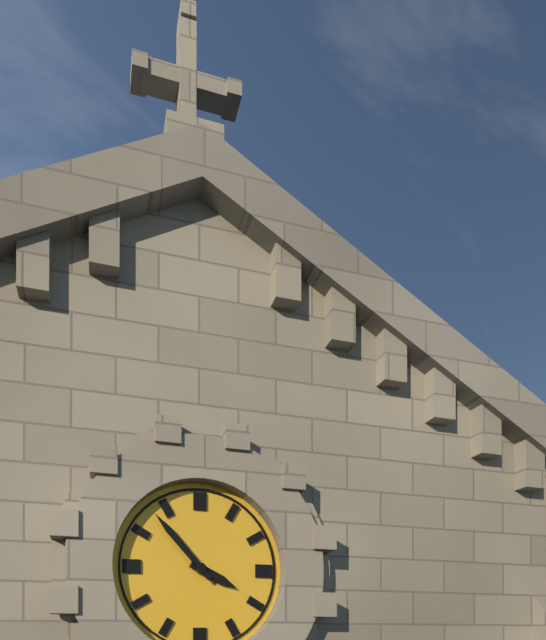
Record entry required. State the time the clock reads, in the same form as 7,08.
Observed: 3,53
